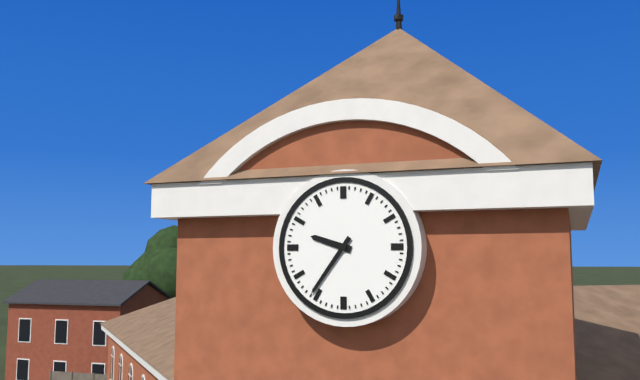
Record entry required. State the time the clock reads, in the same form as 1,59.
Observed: 9,36
